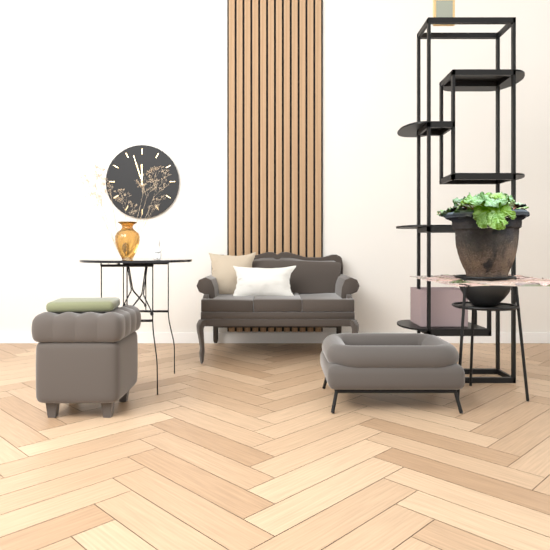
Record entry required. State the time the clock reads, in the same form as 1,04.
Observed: 11,57
